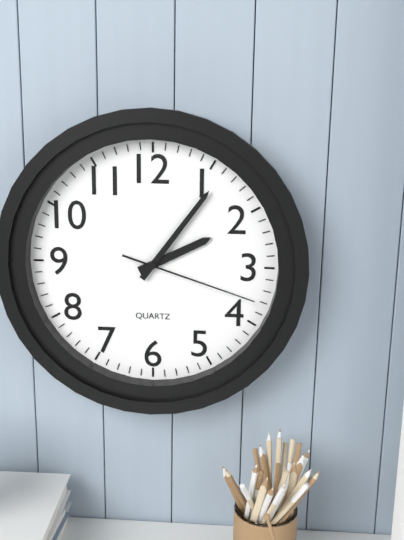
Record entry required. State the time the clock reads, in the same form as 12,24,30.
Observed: 2,06,18
